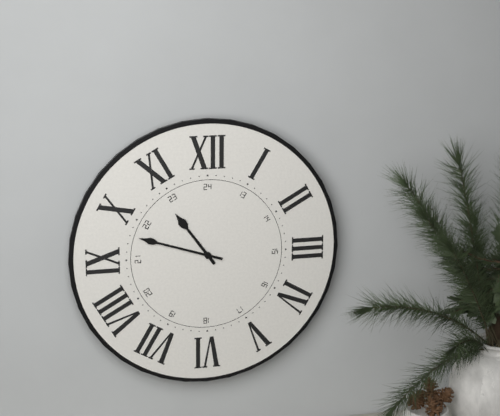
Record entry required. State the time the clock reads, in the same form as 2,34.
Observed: 10,48
